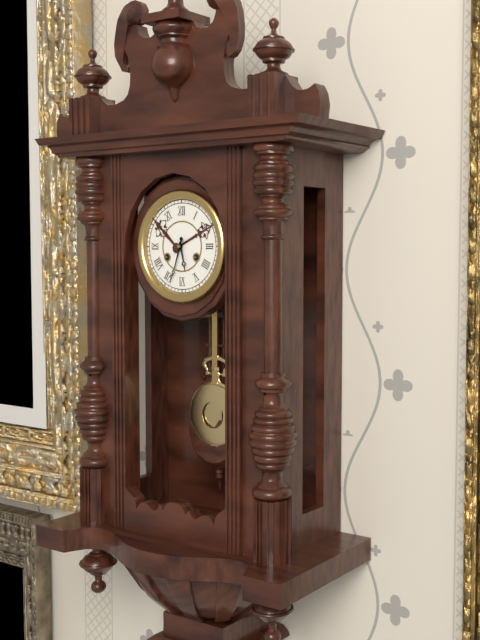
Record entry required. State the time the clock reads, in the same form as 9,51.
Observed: 5,33
